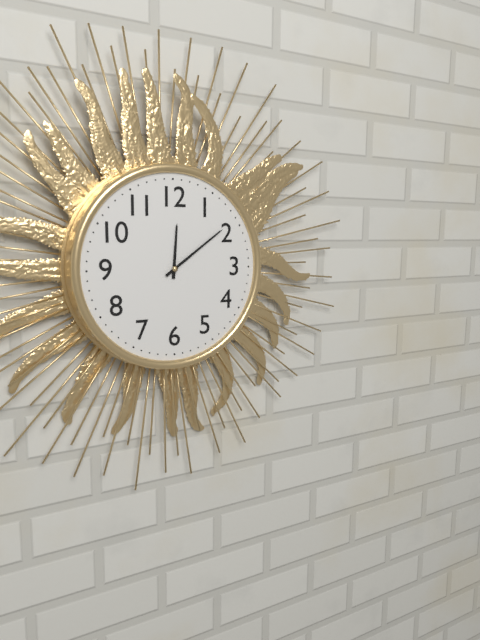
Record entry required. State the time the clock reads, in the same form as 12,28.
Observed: 12,09
